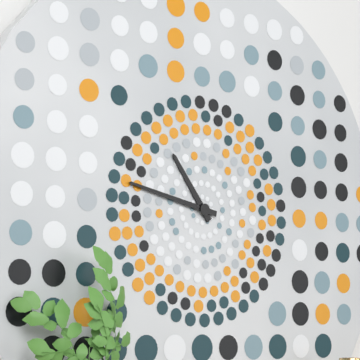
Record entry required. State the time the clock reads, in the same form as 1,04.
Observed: 10,47
